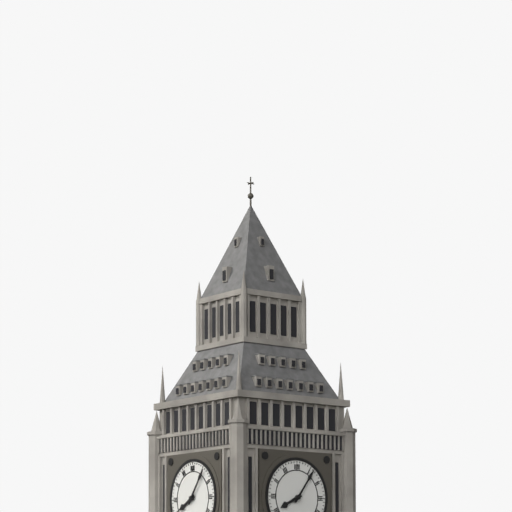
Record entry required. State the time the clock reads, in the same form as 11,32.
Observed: 8,06
